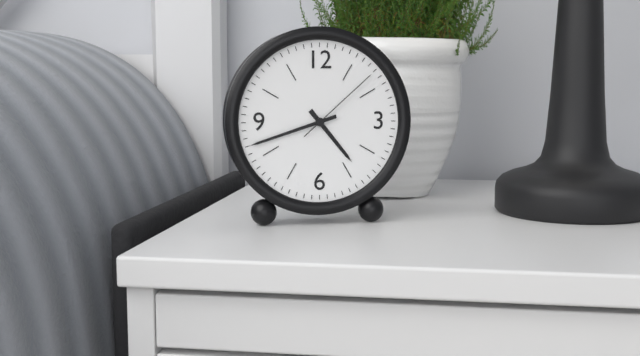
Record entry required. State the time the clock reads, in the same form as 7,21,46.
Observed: 4,42,08
